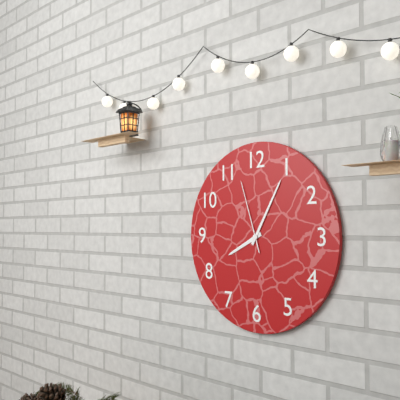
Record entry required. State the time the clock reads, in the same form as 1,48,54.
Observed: 8,05,57
